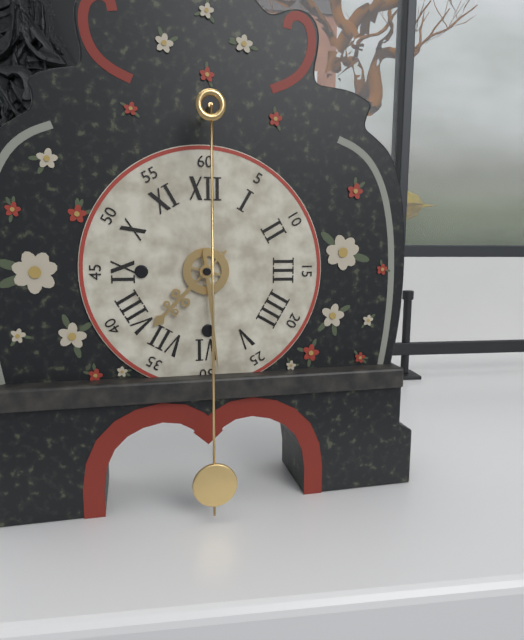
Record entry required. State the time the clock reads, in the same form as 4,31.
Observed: 7,29
